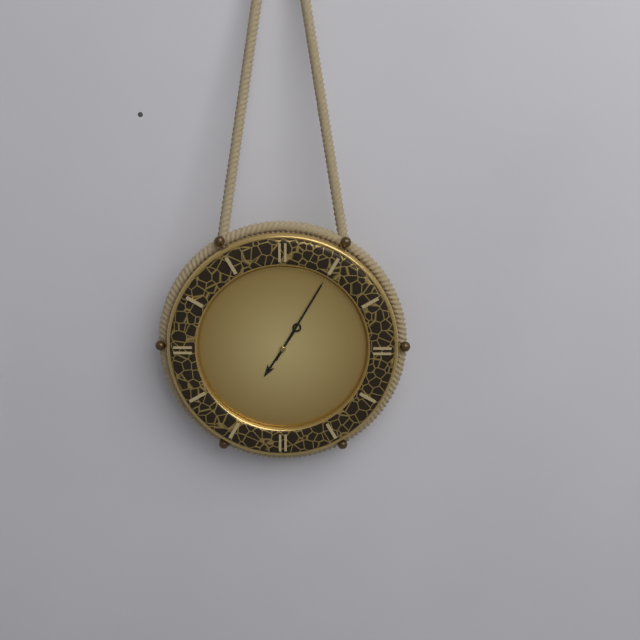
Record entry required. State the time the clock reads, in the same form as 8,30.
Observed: 7,05
